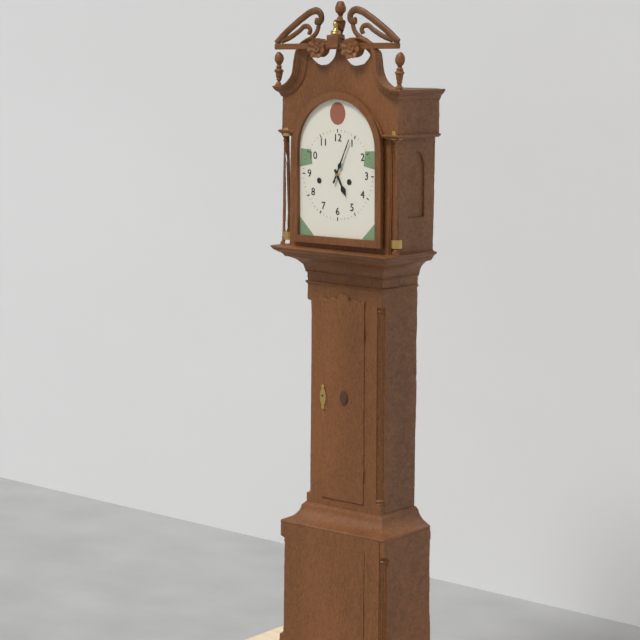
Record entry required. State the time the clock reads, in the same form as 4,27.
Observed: 5,04
